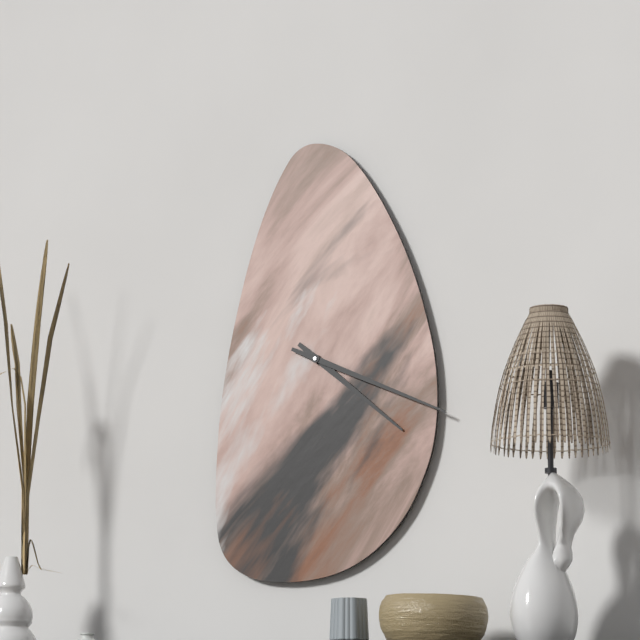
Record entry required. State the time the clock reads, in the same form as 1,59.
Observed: 4,19
